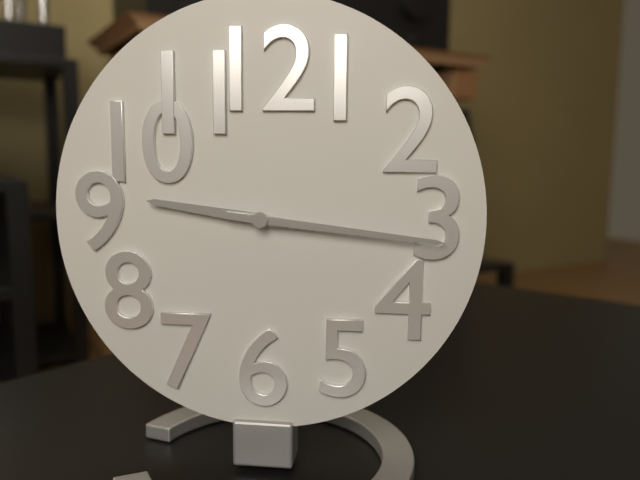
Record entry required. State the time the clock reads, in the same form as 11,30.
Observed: 9,16
